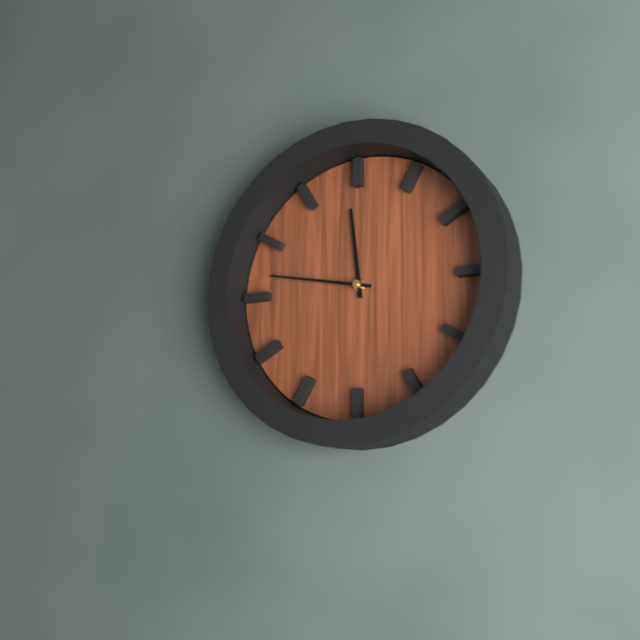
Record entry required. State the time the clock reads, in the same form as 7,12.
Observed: 11,47
